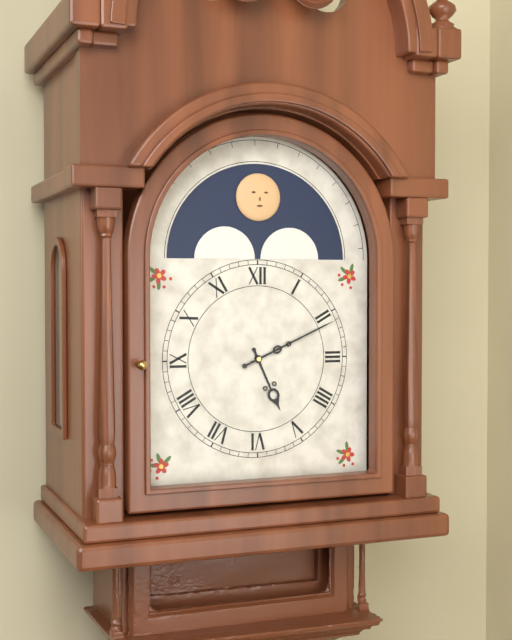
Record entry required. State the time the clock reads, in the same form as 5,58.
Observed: 5,11
